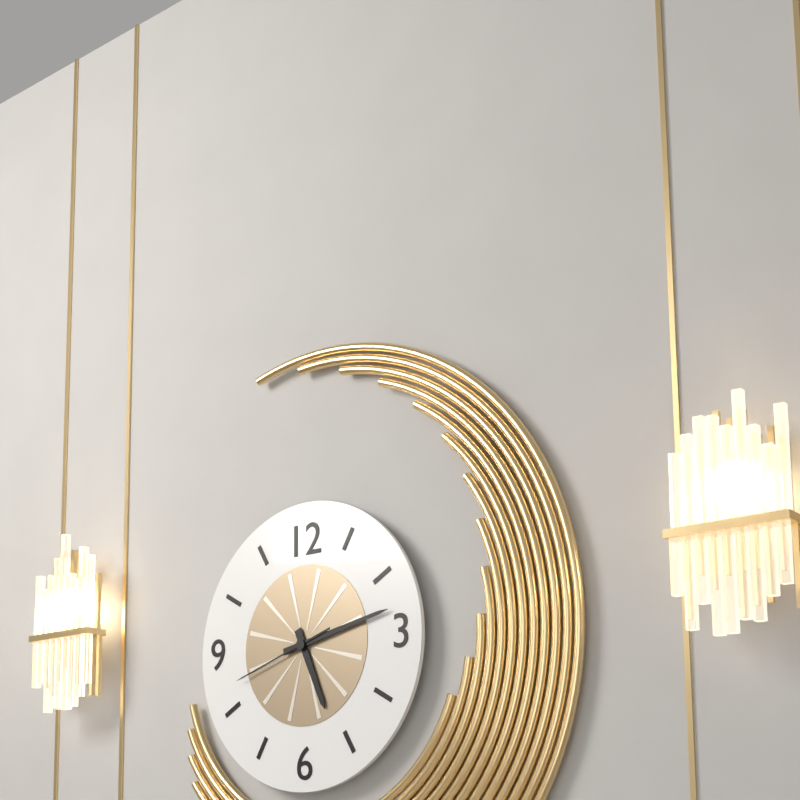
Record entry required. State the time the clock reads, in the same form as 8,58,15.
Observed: 5,13,42
